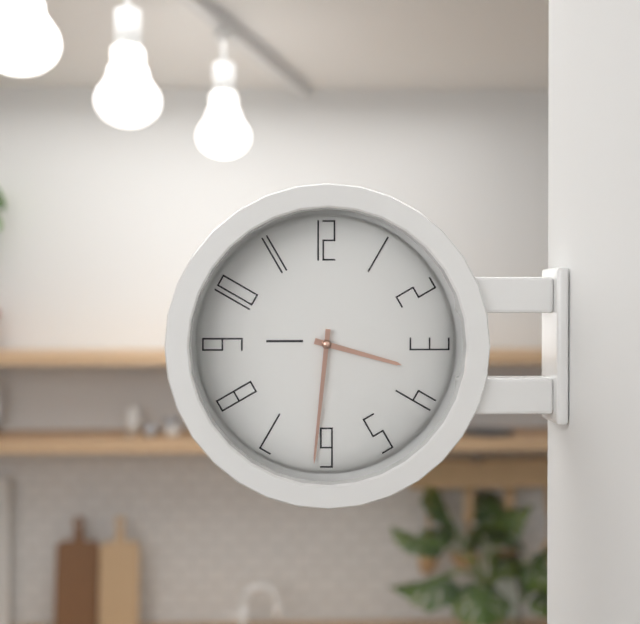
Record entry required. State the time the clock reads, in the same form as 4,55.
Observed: 3,31
